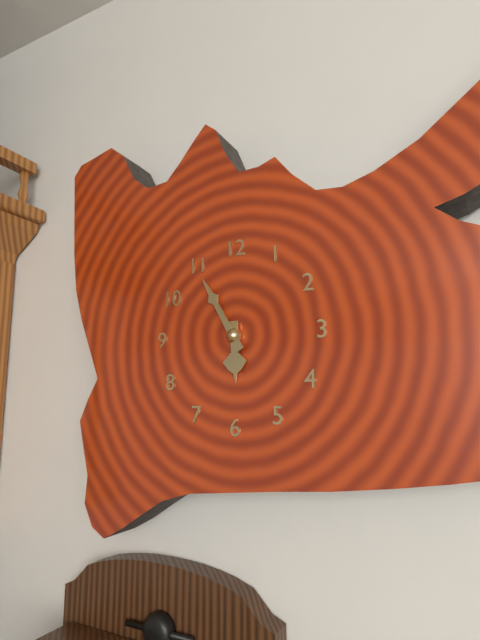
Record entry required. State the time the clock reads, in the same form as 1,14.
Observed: 5,55
